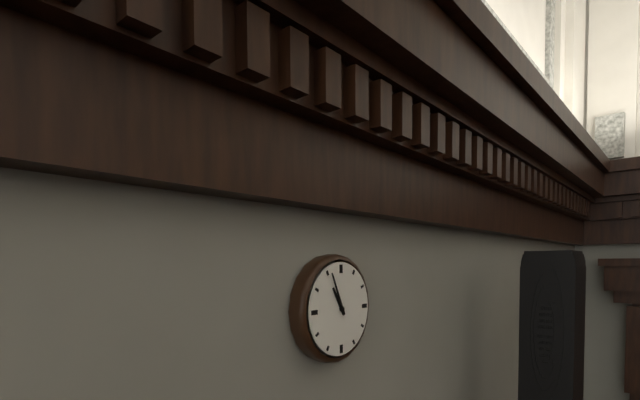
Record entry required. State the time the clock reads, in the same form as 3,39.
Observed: 10,56
